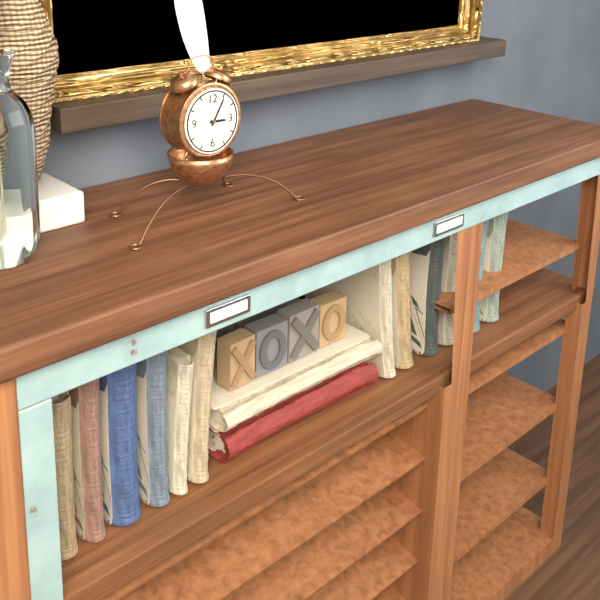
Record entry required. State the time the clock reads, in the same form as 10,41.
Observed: 3,05
